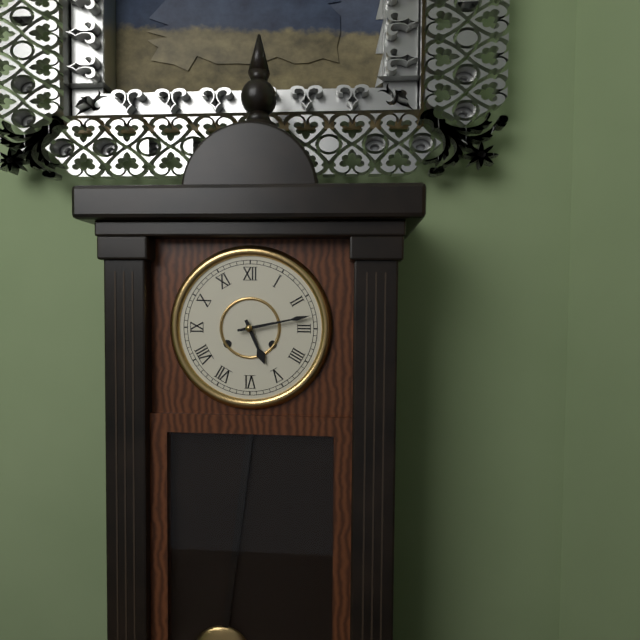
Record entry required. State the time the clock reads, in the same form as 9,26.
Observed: 5,13
